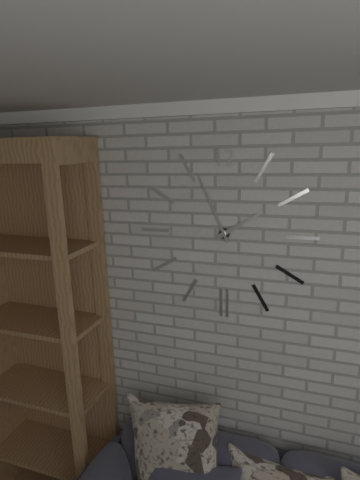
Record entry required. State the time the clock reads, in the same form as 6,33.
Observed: 1,56
